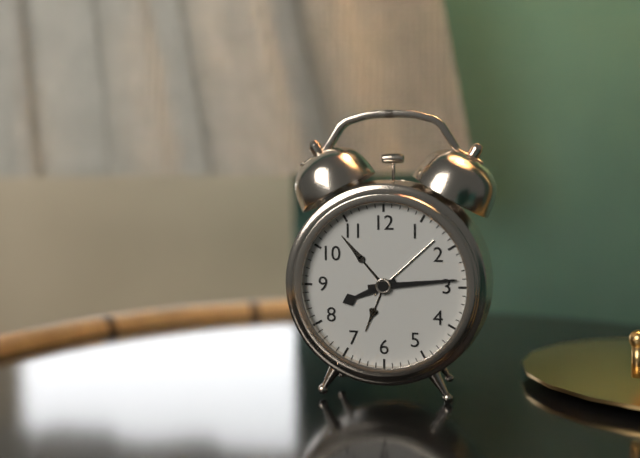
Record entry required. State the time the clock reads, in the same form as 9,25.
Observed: 8,14
